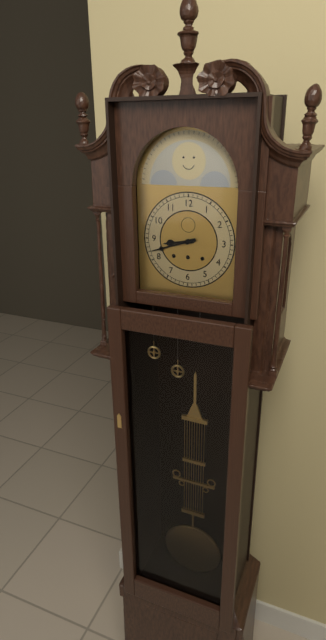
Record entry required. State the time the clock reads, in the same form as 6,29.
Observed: 8,42
